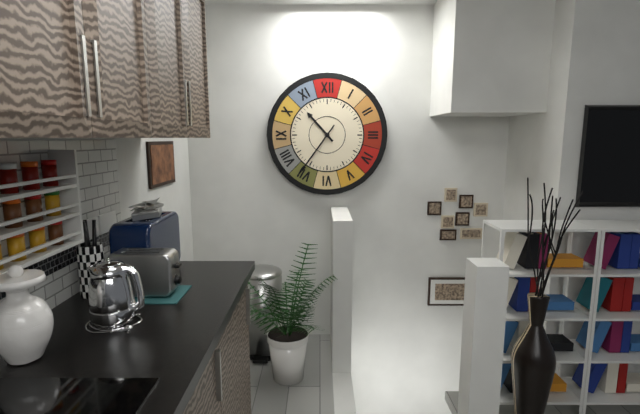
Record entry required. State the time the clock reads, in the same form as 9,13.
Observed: 10,36
